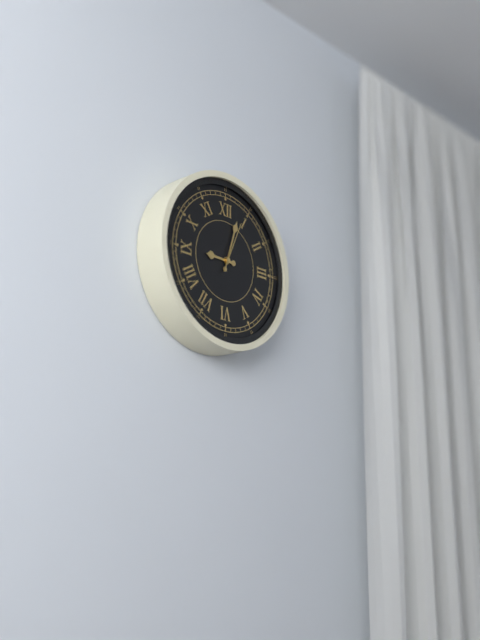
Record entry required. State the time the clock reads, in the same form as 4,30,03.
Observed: 9,03,04
